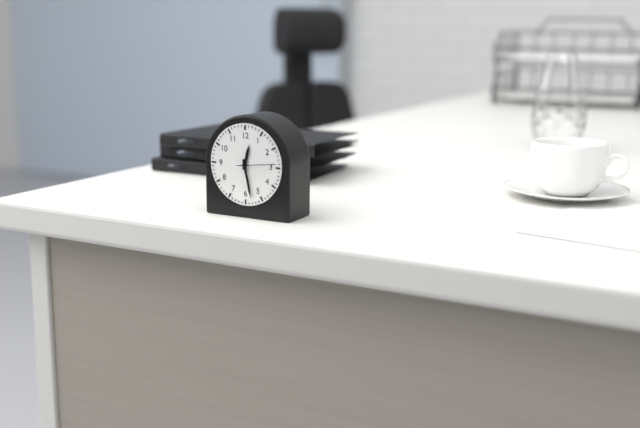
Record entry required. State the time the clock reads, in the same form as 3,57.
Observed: 12,28
